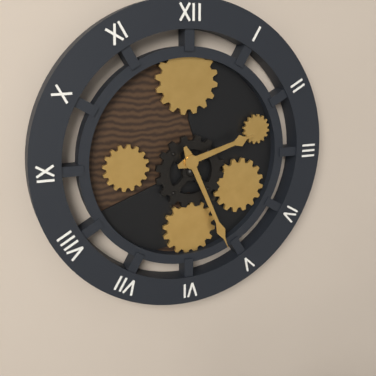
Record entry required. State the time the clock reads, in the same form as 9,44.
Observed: 2,26
